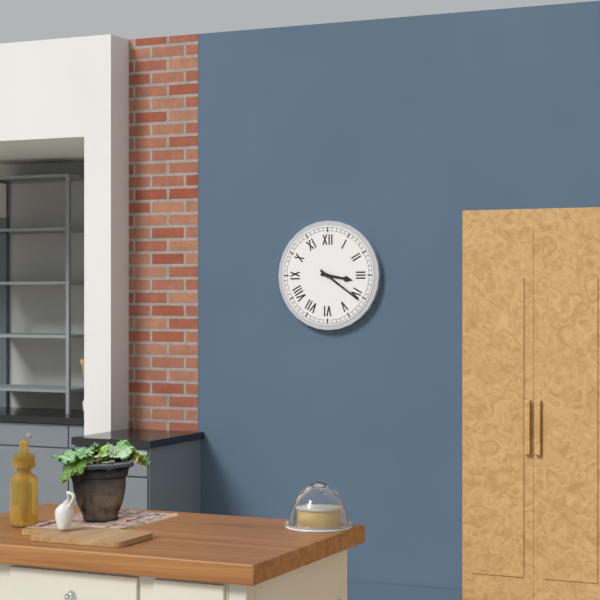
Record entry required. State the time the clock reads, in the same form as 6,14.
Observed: 3,21
